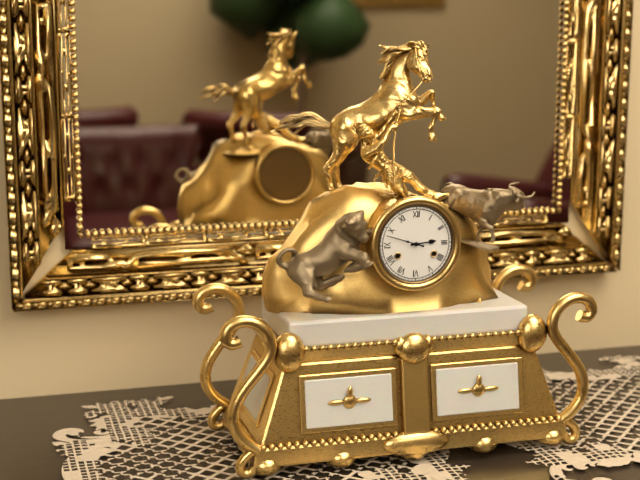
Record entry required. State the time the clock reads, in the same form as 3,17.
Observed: 2,48
